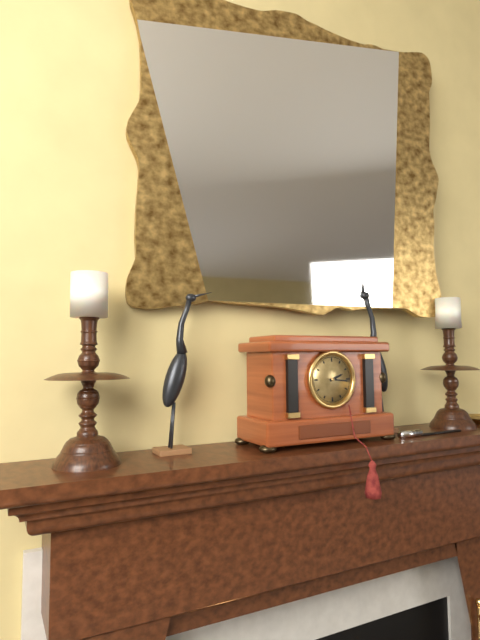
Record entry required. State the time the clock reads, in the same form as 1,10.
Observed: 2,16
